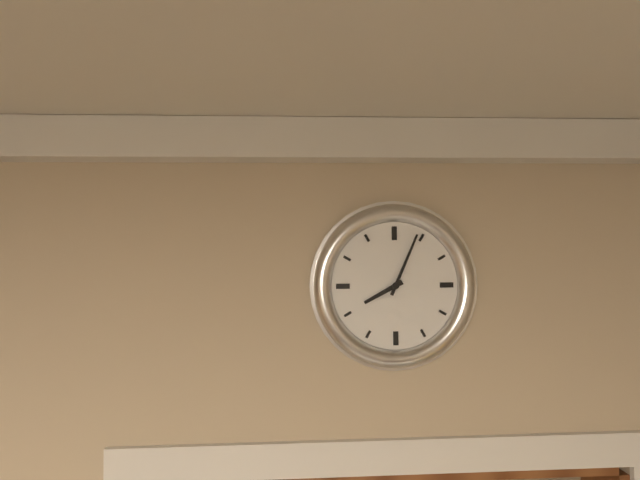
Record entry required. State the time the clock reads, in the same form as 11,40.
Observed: 8,04
